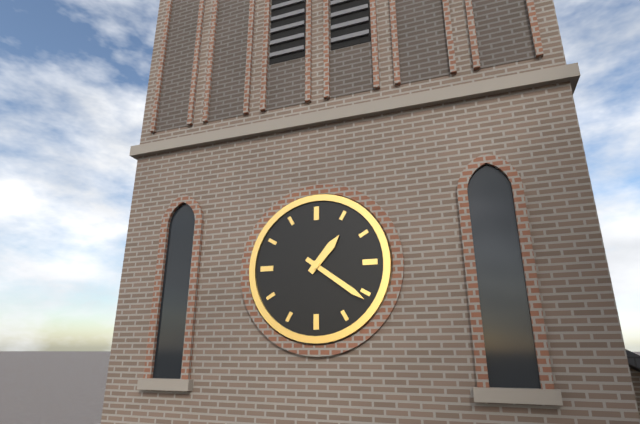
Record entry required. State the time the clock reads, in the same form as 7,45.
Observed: 1,21
